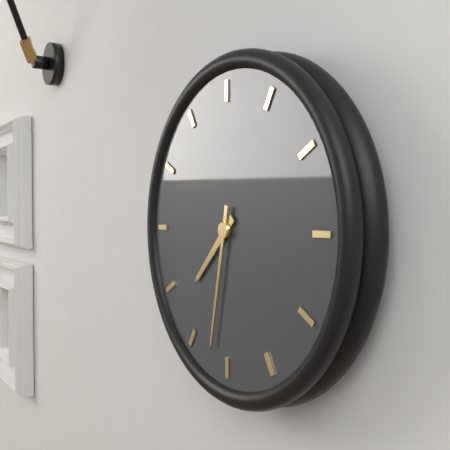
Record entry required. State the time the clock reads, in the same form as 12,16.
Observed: 7,32
